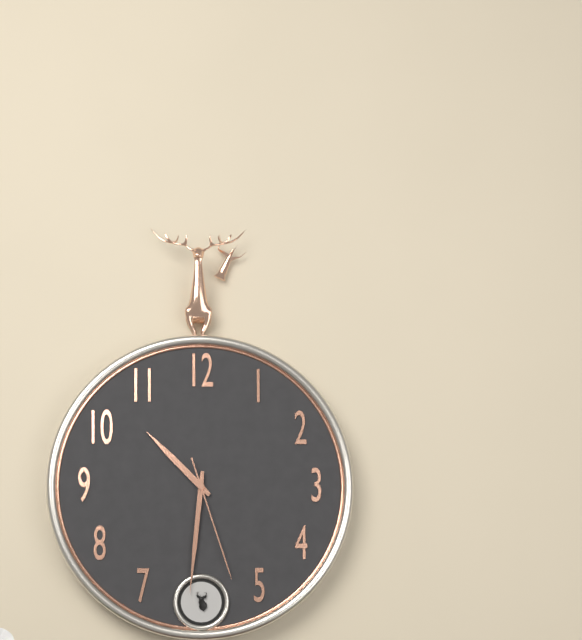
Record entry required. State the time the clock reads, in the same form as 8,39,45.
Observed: 10,31,27
